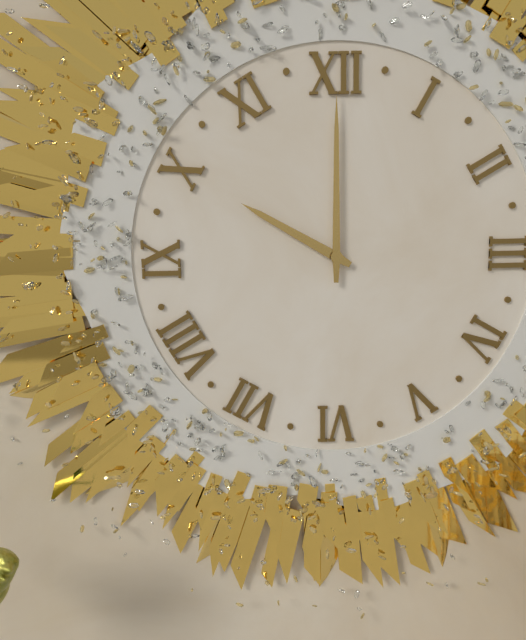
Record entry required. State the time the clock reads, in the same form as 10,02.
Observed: 10,00
